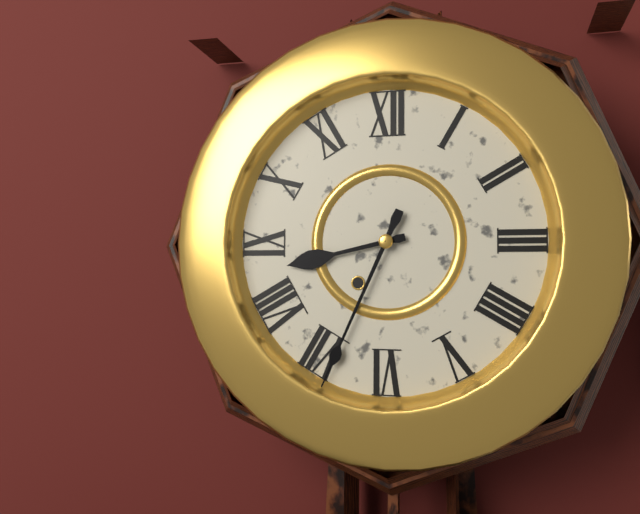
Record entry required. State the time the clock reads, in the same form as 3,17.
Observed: 8,34
